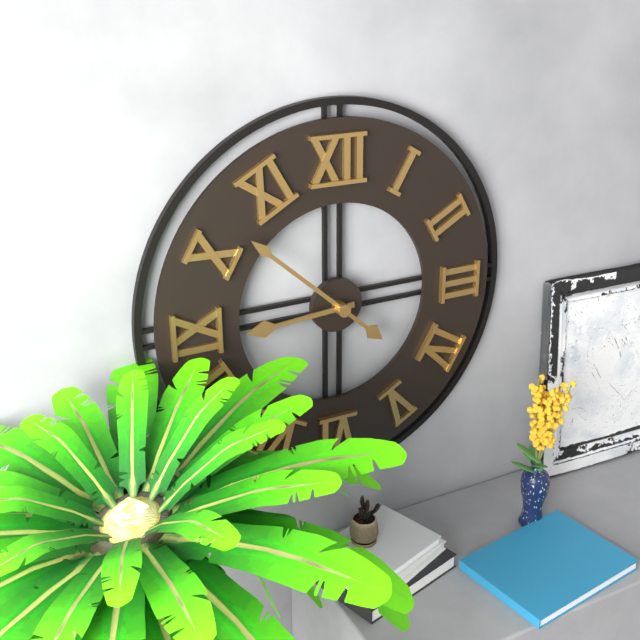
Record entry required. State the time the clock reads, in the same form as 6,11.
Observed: 8,52
